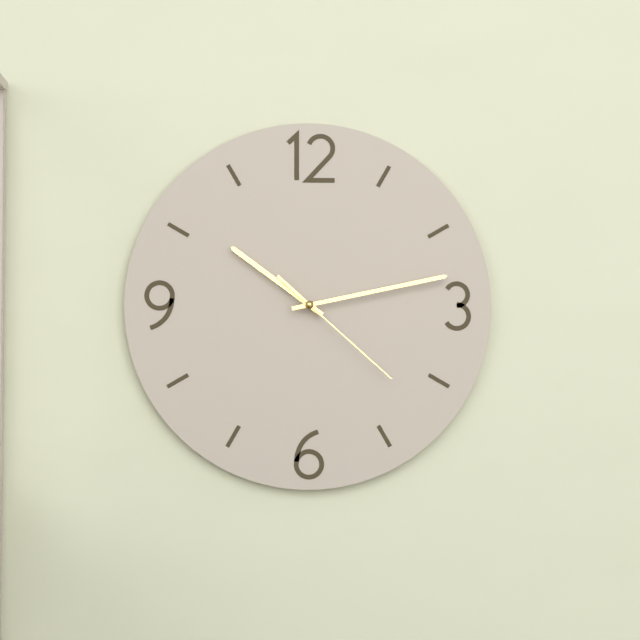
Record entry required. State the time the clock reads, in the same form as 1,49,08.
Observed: 10,13,22
